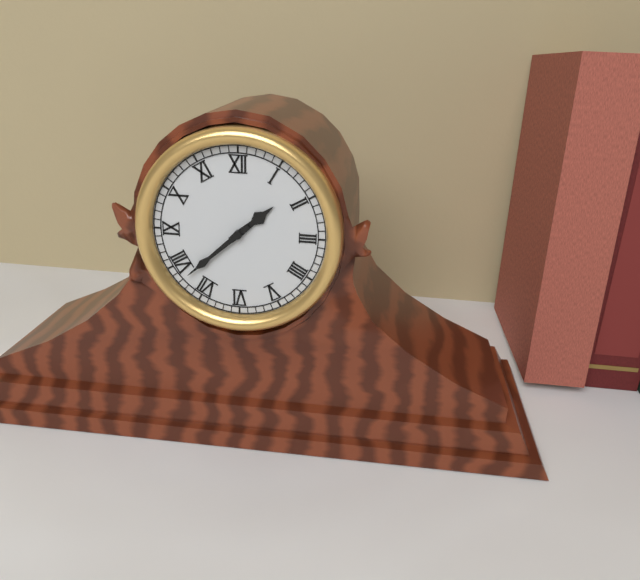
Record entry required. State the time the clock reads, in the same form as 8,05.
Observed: 1,38
